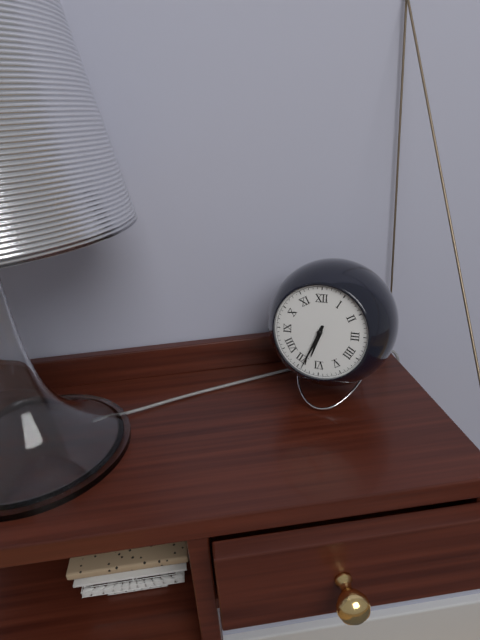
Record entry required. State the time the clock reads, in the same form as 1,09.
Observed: 6,34
